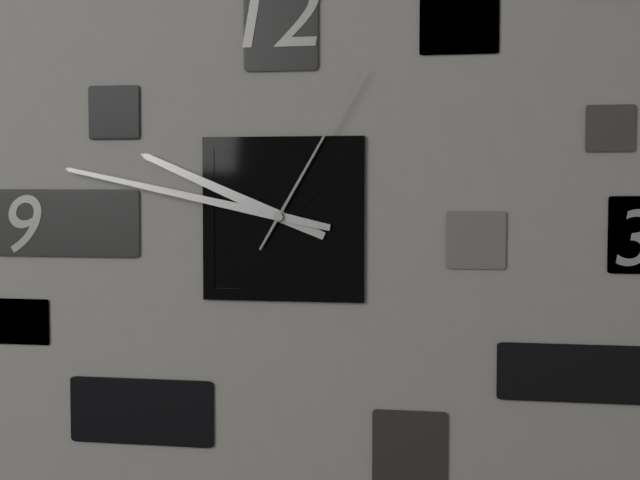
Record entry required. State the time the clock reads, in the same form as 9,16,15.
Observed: 9,47,05
